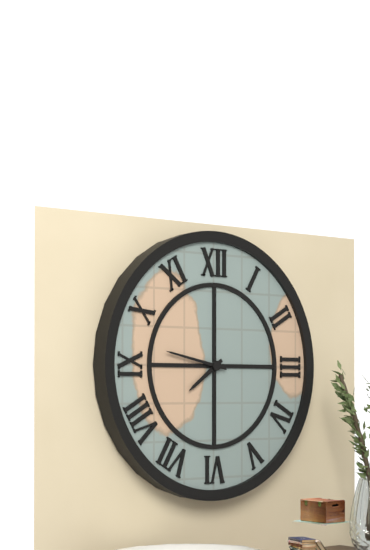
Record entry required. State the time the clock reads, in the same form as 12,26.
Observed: 7,47
